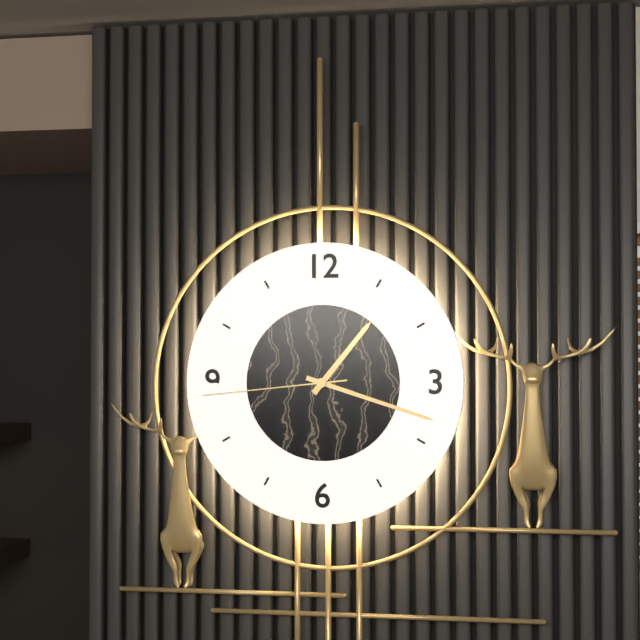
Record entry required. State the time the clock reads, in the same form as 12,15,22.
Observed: 1,18,44
